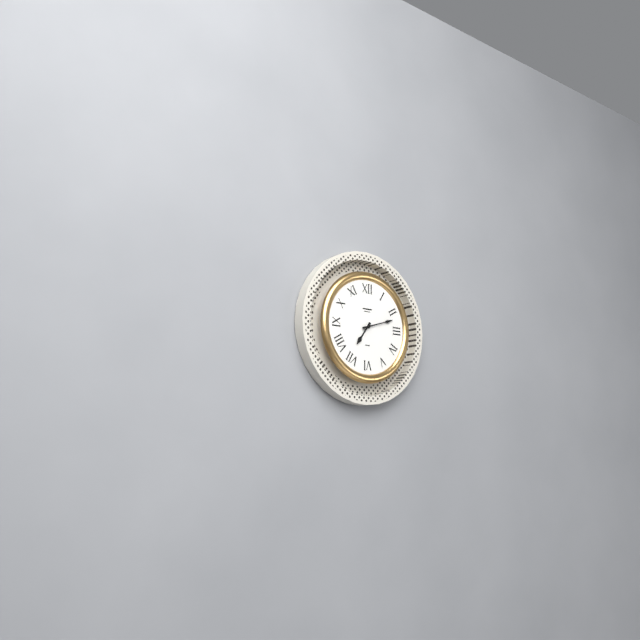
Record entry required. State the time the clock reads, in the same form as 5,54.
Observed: 7,12
